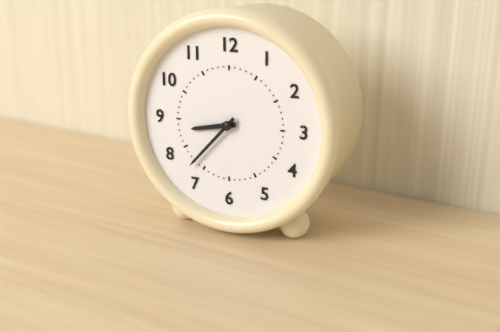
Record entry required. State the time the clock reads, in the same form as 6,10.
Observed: 8,37
